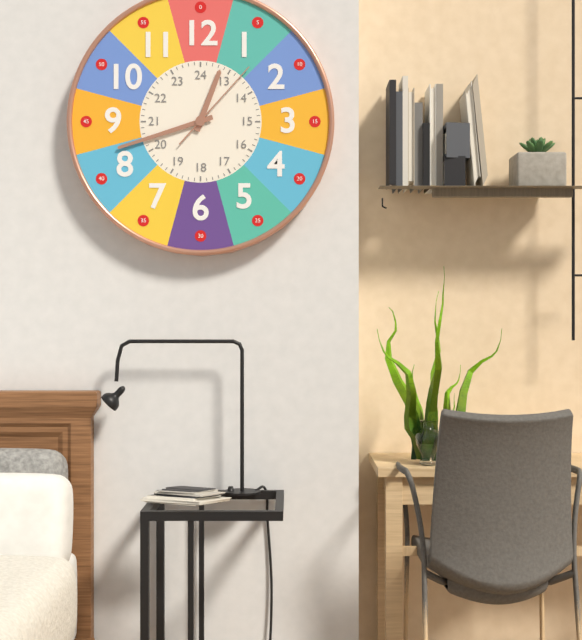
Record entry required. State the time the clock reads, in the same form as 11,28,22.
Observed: 12,42,07
